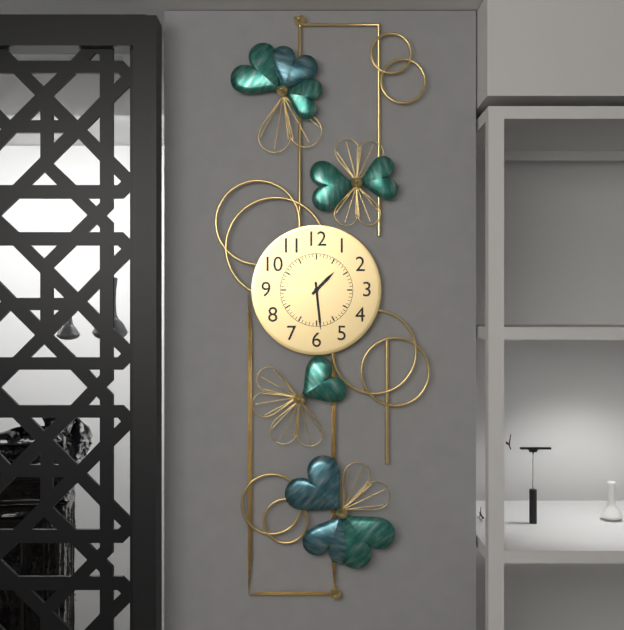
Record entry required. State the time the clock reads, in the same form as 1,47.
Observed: 1,29
